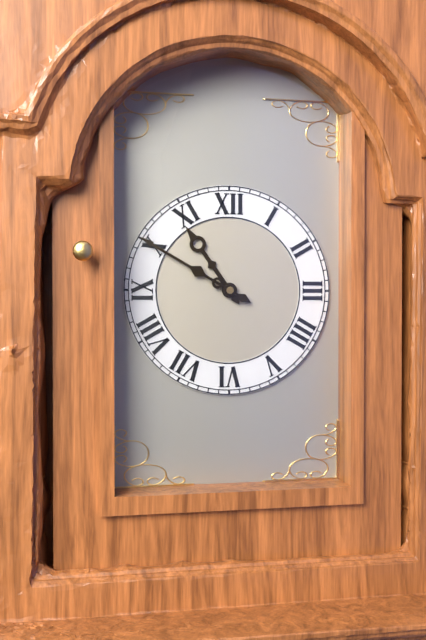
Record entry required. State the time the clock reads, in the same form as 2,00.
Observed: 10,50
